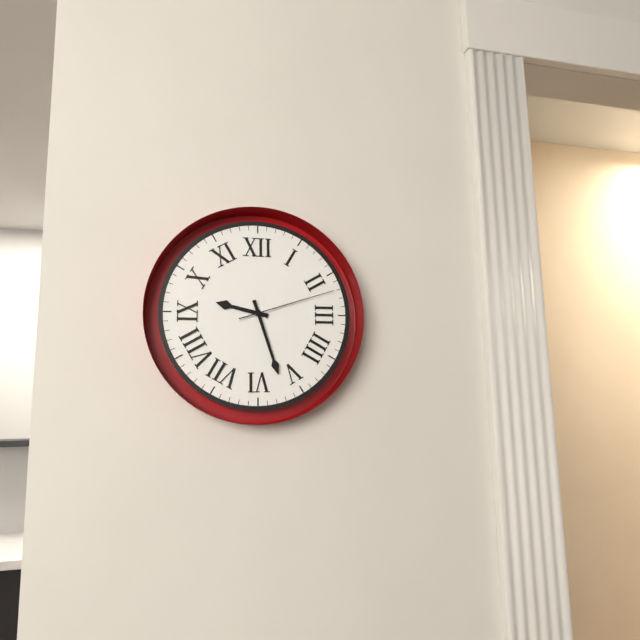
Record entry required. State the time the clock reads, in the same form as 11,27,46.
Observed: 9,27,12
